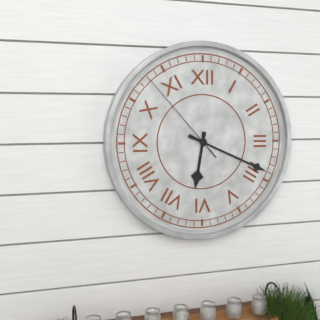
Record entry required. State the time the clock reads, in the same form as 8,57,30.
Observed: 6,19,53
